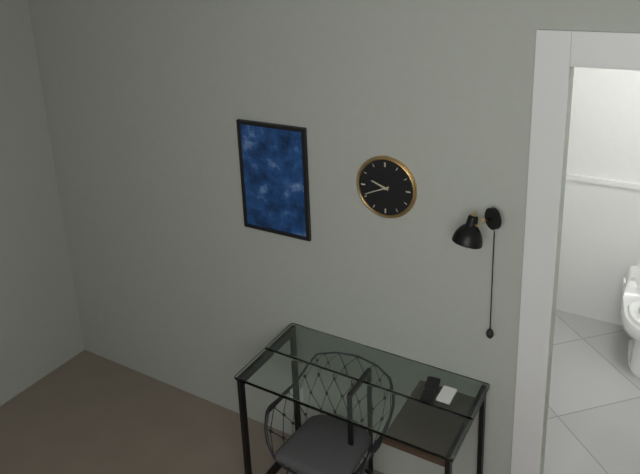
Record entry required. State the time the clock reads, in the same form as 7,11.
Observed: 9,41
